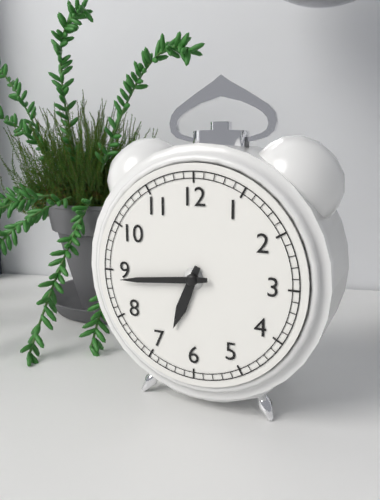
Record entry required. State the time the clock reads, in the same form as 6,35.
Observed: 6,44
